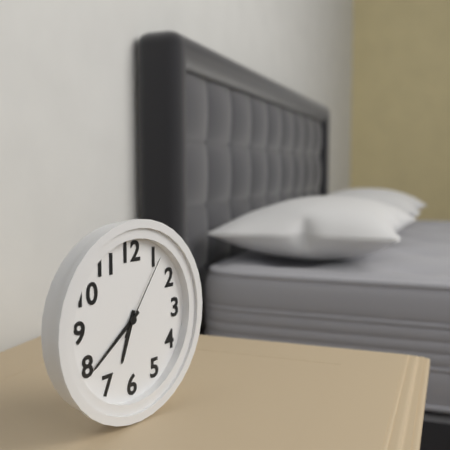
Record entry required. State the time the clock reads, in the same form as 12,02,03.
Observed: 6,39,06
